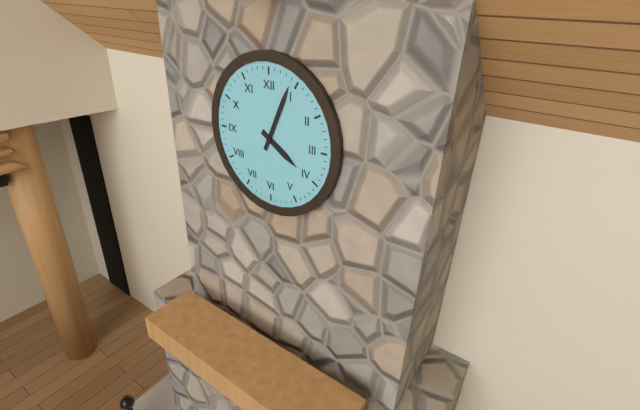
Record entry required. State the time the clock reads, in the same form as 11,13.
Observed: 4,04
